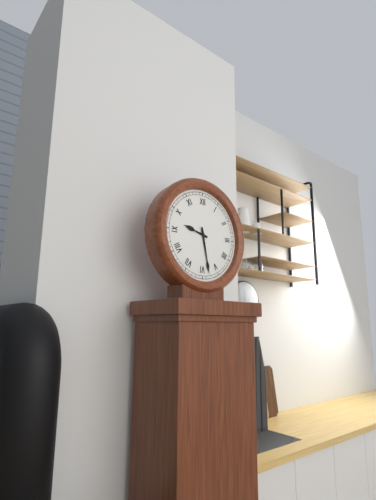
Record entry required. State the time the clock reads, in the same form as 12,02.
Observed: 9,28
